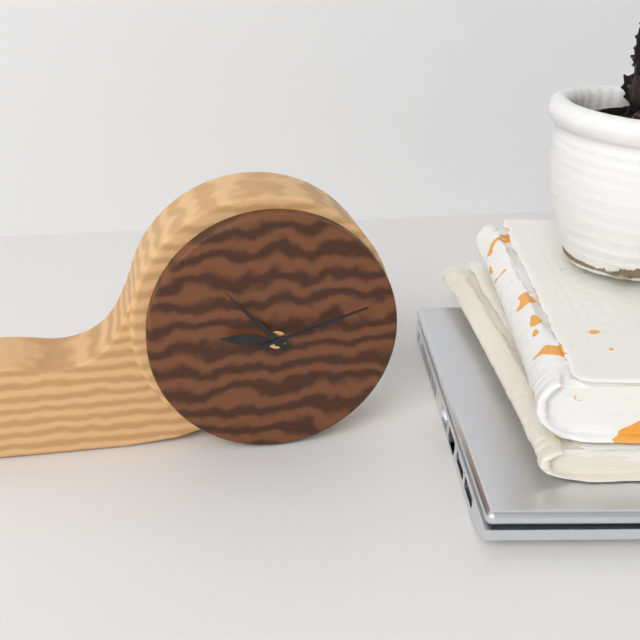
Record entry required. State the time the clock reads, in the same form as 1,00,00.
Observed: 9,12,53
